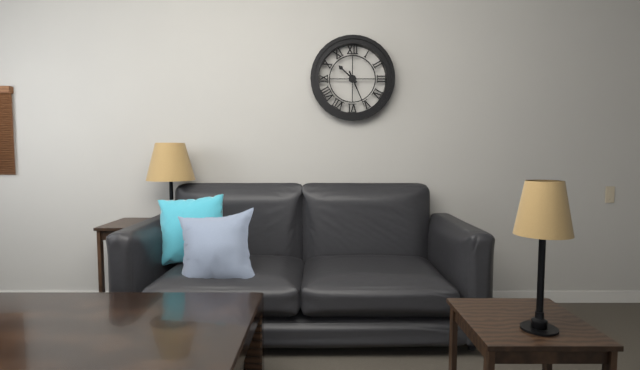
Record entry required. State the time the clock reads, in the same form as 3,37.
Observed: 10,26
